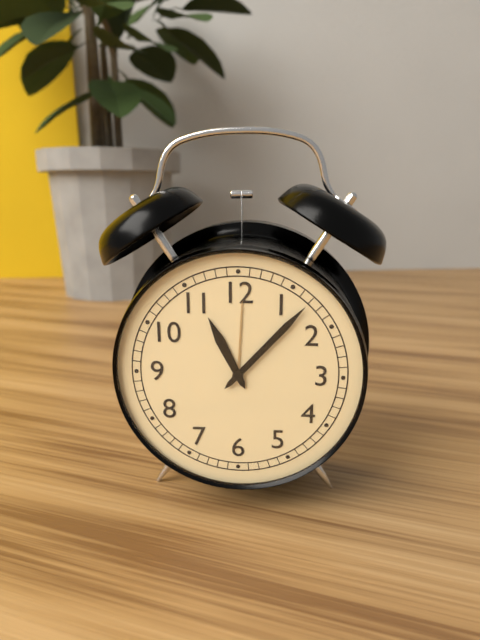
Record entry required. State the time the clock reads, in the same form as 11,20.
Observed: 11,07
